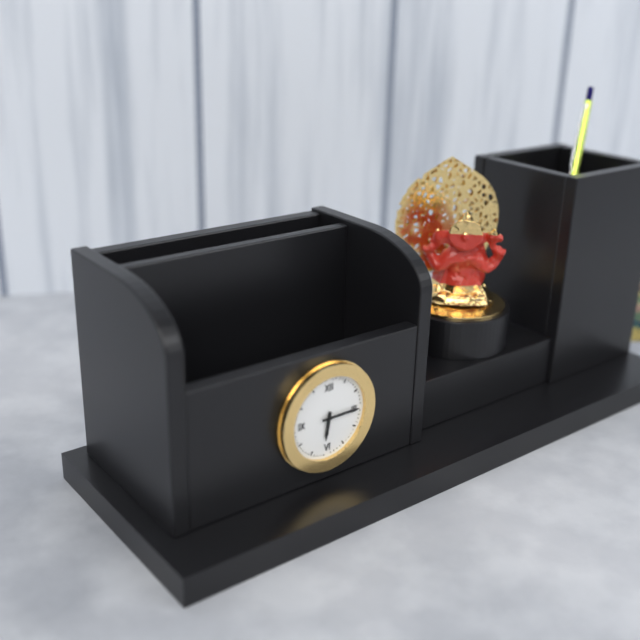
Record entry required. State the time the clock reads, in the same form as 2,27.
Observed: 6,15
